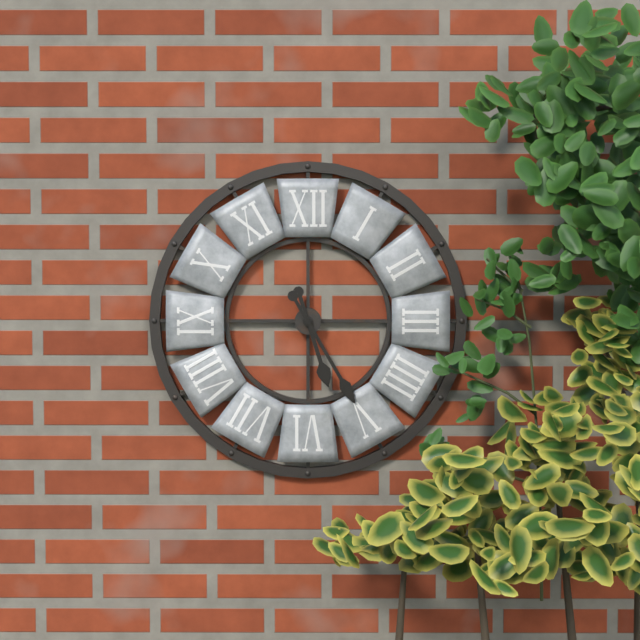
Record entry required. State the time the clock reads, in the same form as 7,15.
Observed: 5,25
